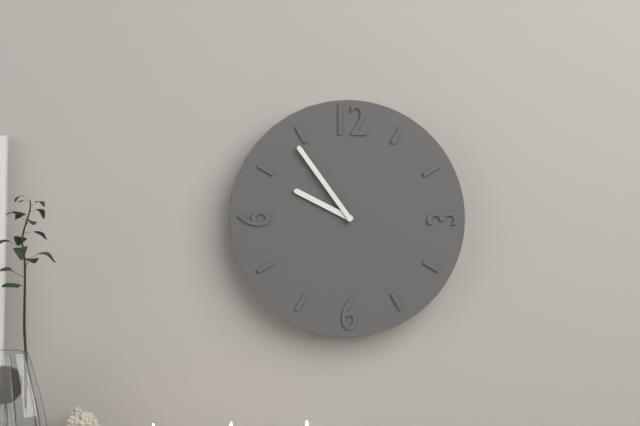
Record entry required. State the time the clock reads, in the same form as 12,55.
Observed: 9,54
